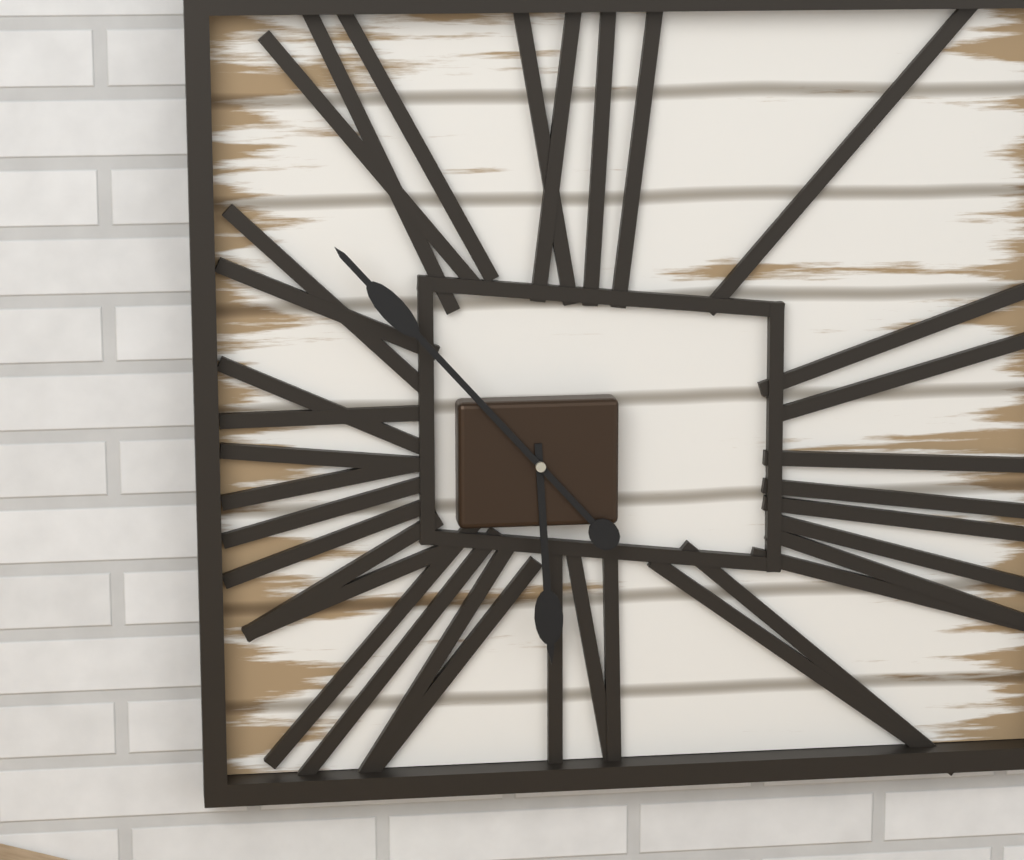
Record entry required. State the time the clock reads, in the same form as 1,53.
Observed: 5,53
